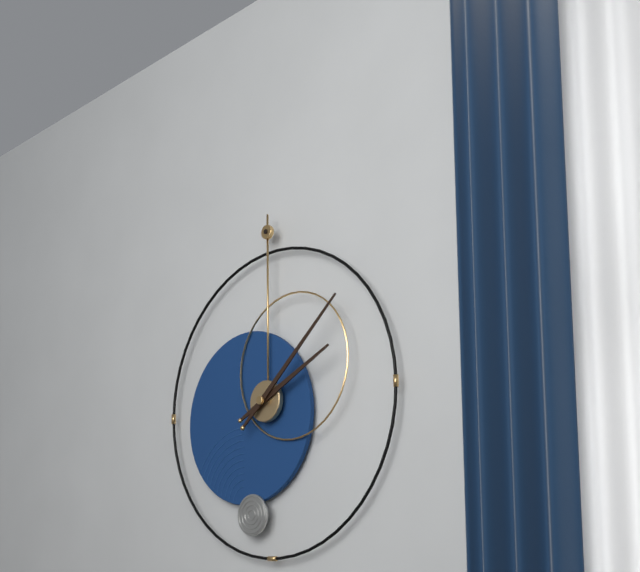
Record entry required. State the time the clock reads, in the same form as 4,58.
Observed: 2,08
